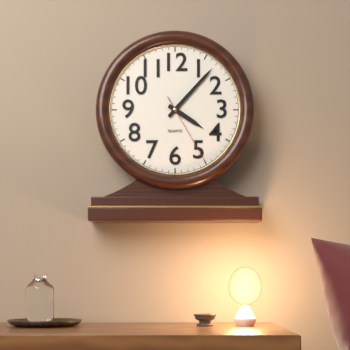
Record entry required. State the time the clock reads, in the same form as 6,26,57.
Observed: 4,07,25
